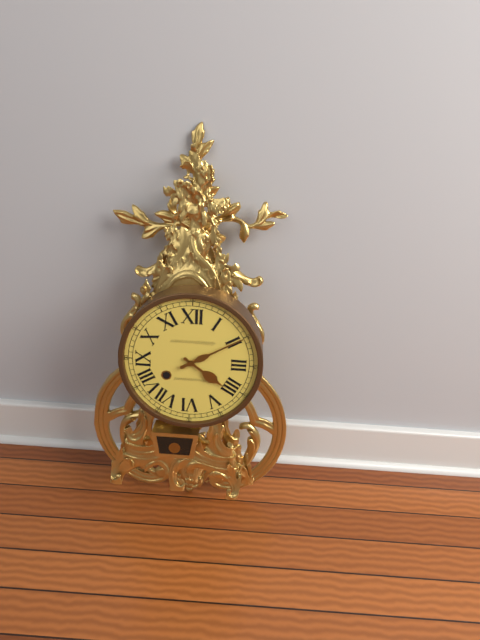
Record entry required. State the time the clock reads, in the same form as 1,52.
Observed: 4,10
